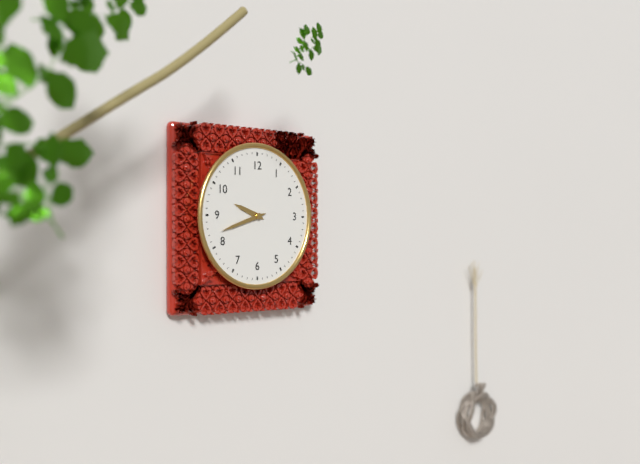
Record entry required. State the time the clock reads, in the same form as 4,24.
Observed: 9,42
